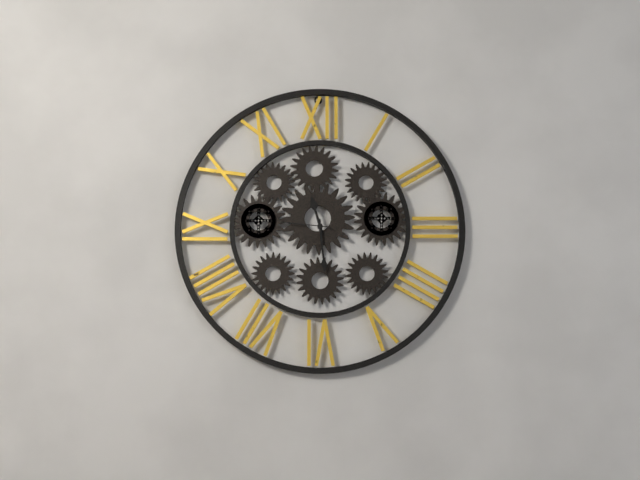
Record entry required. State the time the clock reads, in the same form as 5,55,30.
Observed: 11,29,46
